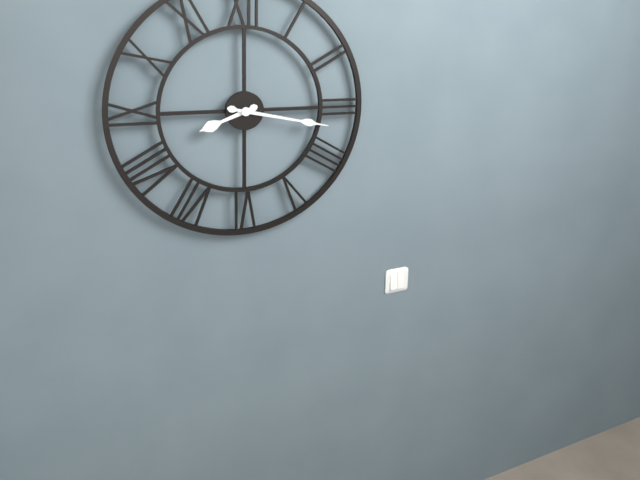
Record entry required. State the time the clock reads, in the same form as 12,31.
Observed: 8,17
